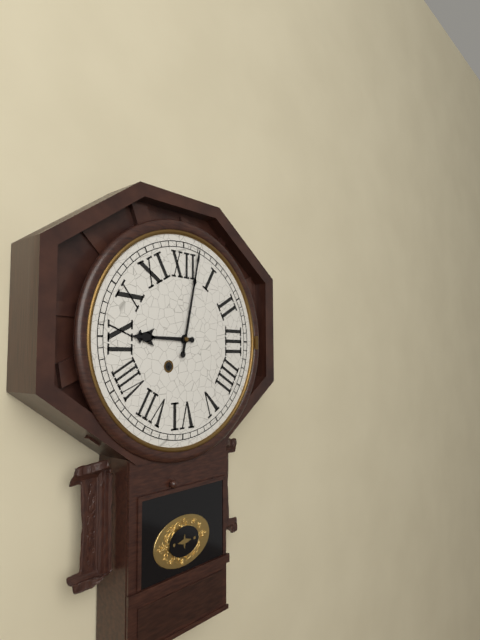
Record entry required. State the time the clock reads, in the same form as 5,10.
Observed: 9,02
